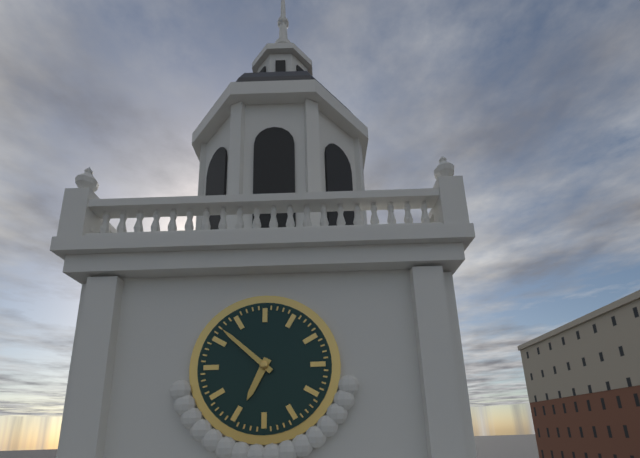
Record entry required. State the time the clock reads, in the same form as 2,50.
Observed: 6,52
